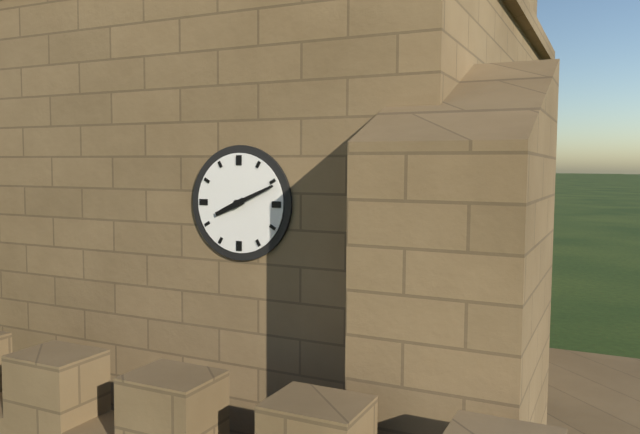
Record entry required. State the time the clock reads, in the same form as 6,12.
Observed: 8,11
